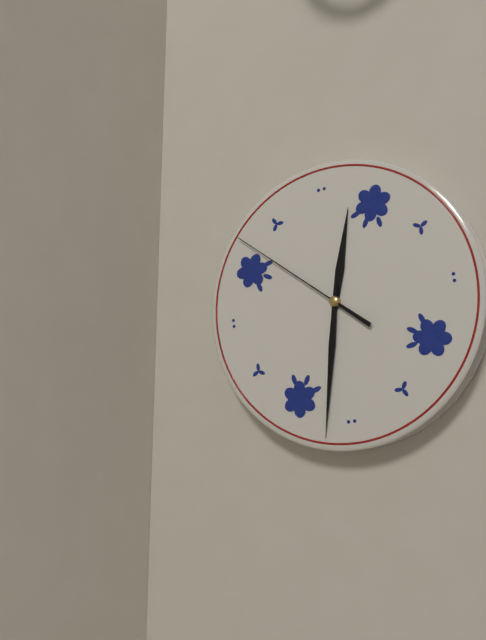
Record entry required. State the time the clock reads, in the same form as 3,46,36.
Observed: 12,32,52
